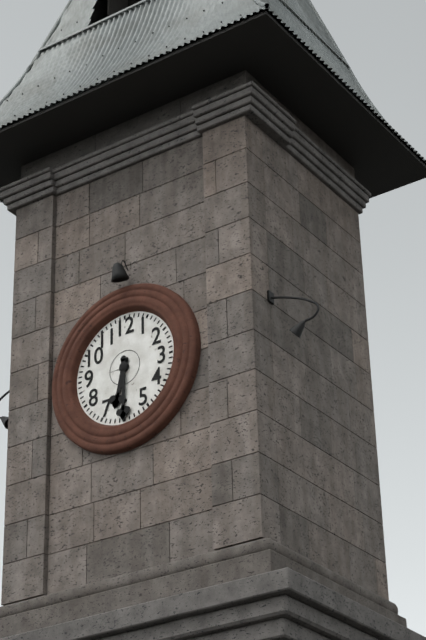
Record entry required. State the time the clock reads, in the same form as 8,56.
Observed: 6,30
